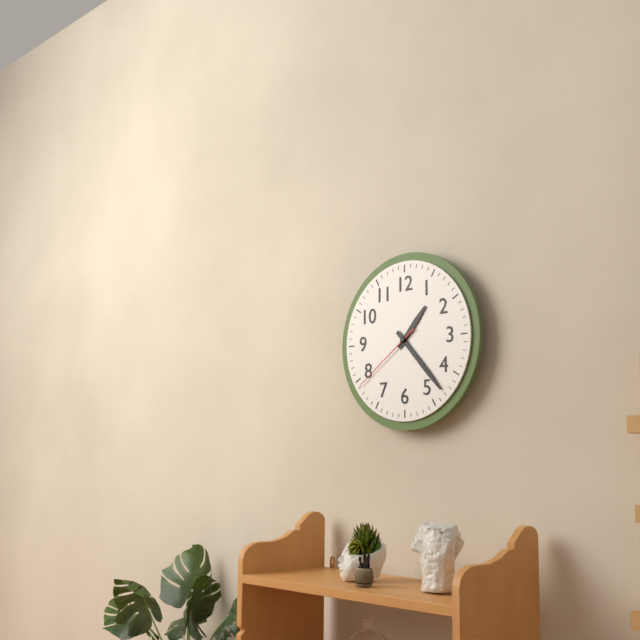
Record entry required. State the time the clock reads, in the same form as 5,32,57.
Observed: 1,23,39
